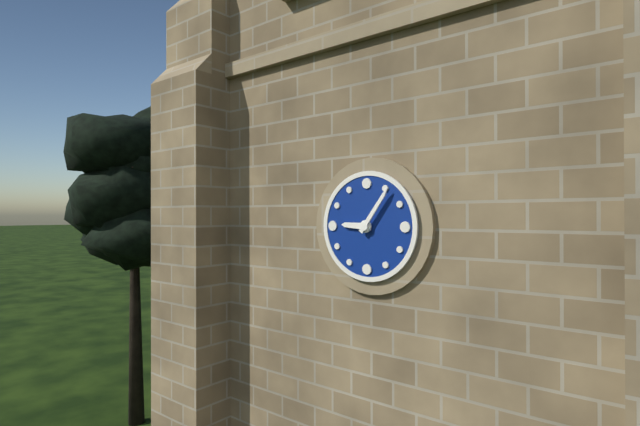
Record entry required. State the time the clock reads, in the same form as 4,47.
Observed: 9,06
